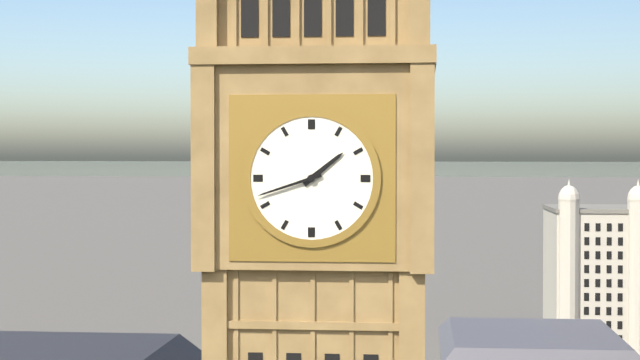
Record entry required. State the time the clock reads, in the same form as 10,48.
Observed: 1,42
